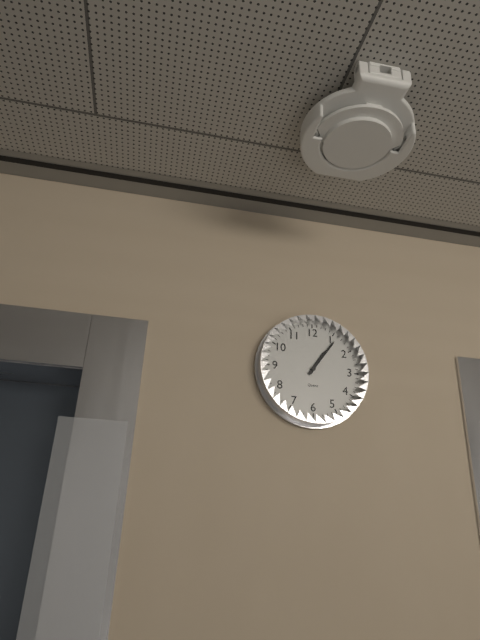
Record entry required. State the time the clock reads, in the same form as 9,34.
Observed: 1,06
